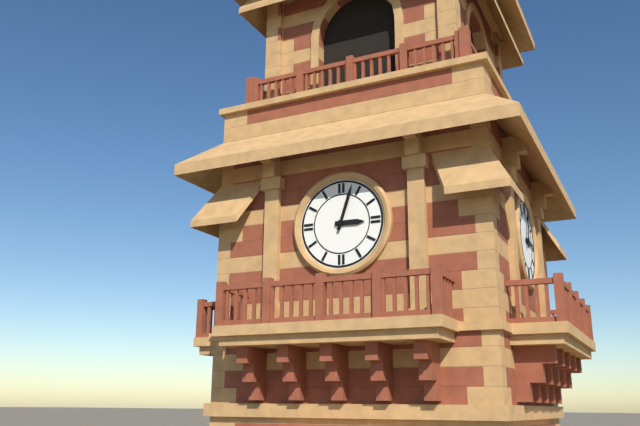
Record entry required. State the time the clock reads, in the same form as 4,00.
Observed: 3,03
